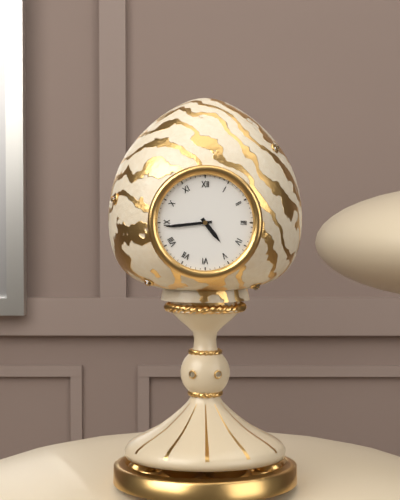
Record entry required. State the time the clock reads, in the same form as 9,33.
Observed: 4,44
